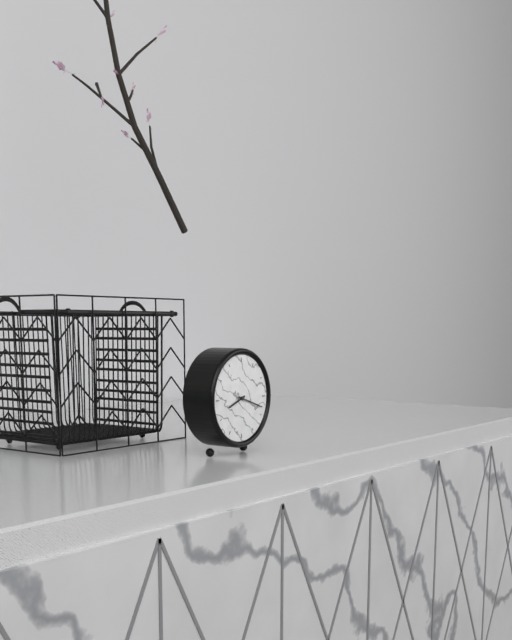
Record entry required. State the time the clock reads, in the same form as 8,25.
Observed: 8,18
